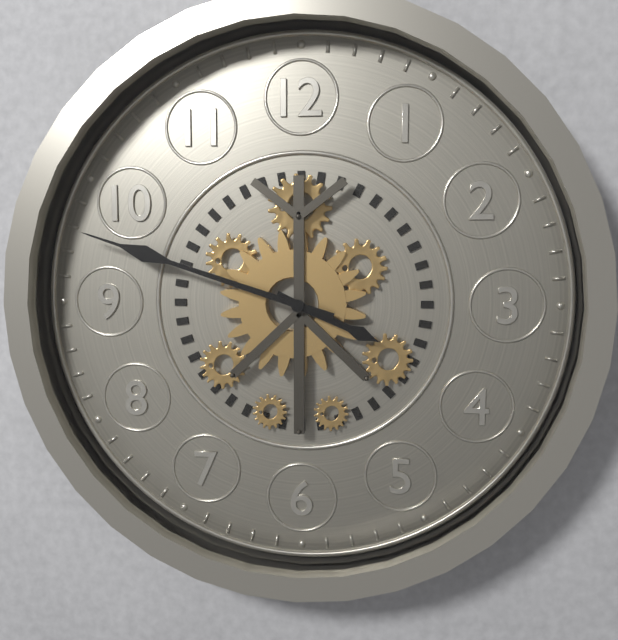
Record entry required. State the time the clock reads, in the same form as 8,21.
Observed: 3,48
